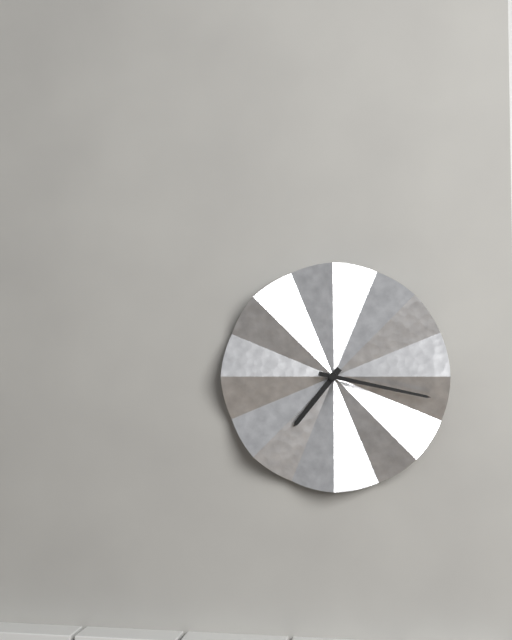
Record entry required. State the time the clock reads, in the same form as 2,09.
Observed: 7,17
